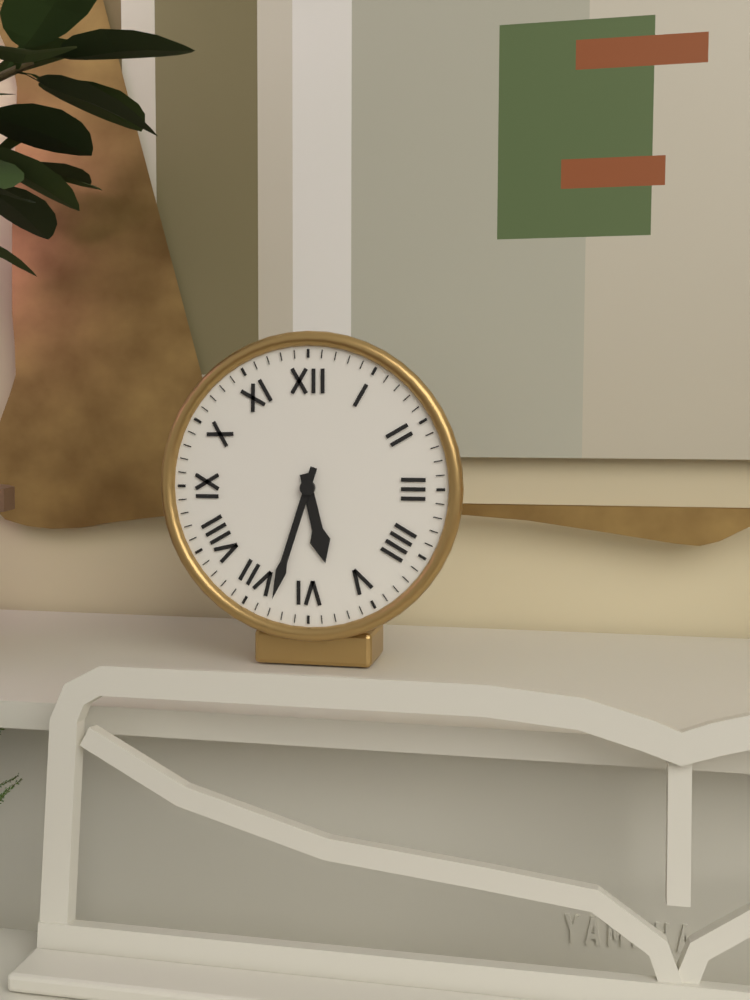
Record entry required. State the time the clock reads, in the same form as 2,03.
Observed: 5,33
